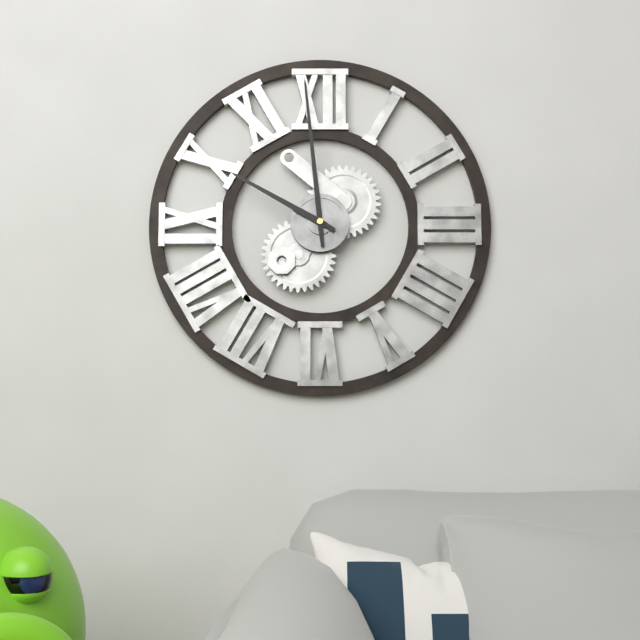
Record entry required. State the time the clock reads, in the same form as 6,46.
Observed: 9,59
